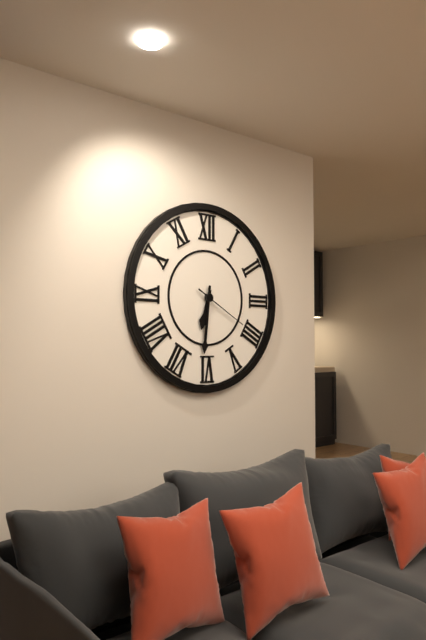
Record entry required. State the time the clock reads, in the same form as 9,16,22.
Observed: 6,31,20
